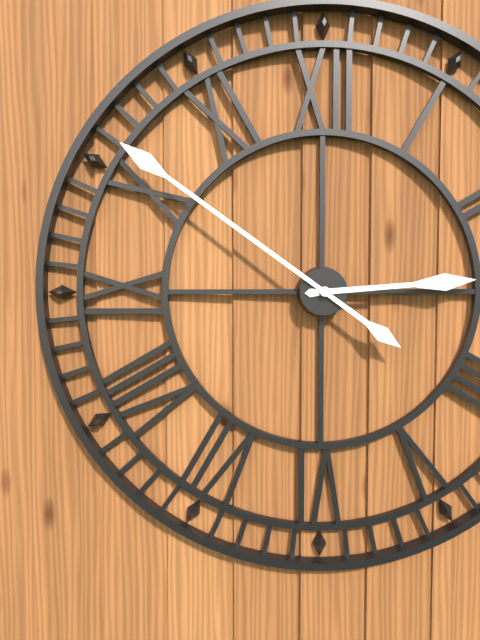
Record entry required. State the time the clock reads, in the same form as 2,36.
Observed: 2,51
